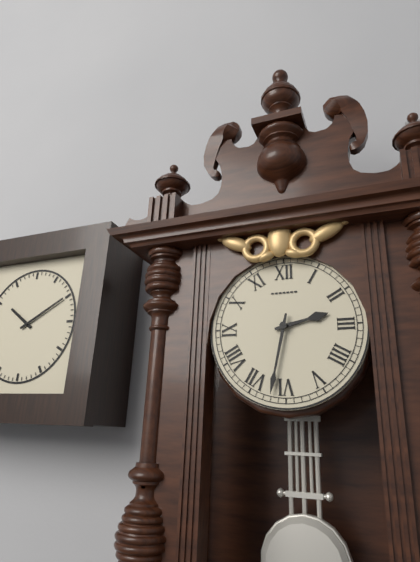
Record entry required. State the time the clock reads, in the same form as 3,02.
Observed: 2,32
